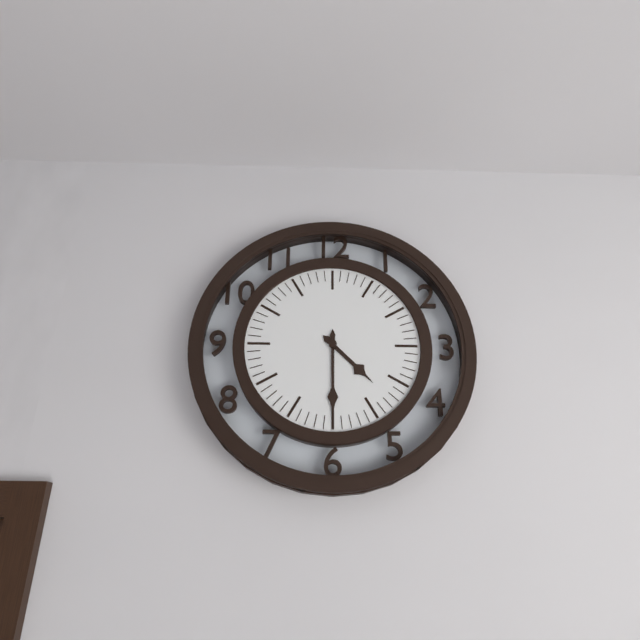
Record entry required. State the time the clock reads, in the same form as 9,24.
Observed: 4,30
